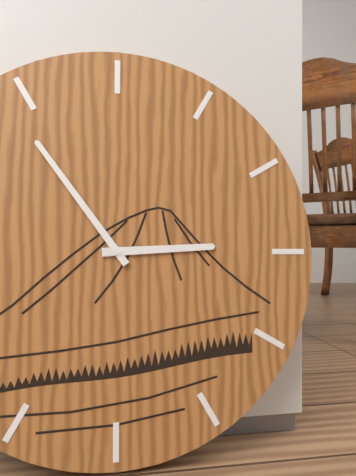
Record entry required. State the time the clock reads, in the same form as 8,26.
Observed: 2,54
